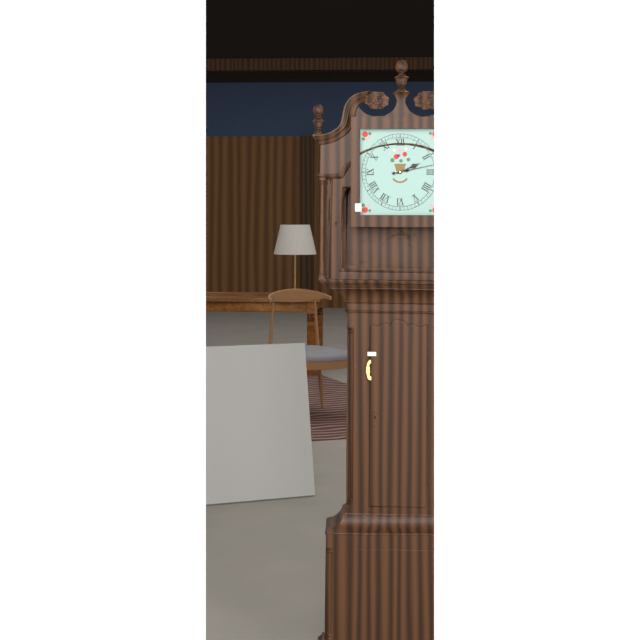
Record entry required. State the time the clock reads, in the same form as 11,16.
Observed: 2,13
